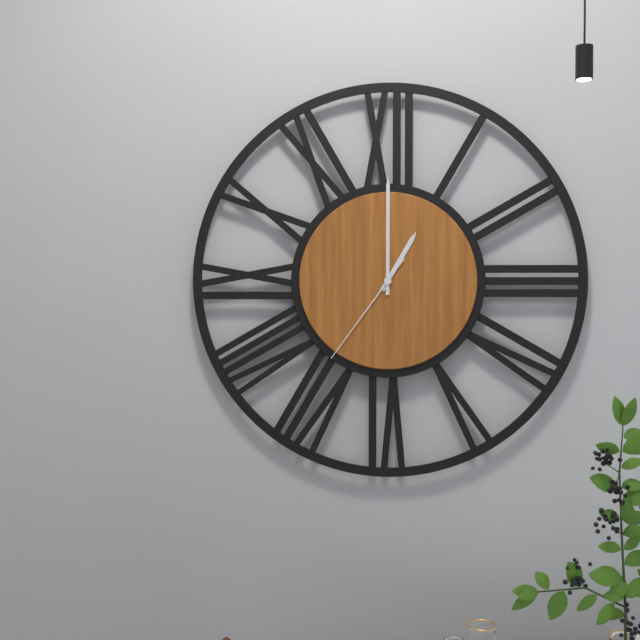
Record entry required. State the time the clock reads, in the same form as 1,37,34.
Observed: 1,00,36
